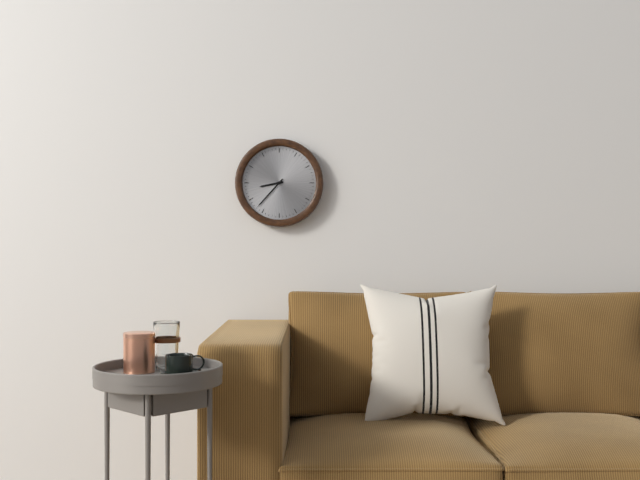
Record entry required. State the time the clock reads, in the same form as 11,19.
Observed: 8,37
